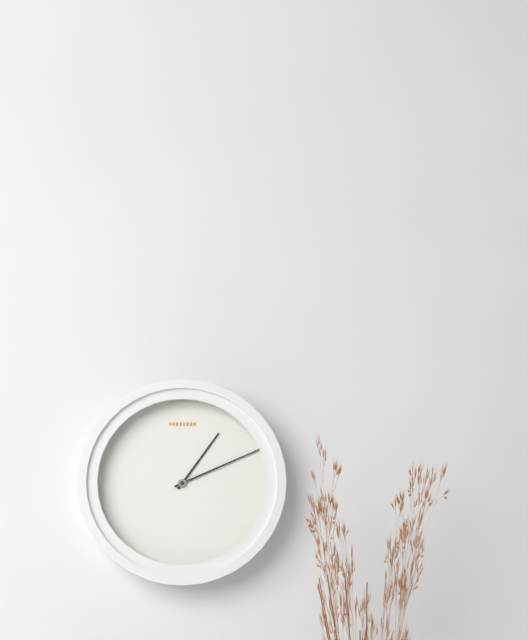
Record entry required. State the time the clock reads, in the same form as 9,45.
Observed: 1,11
